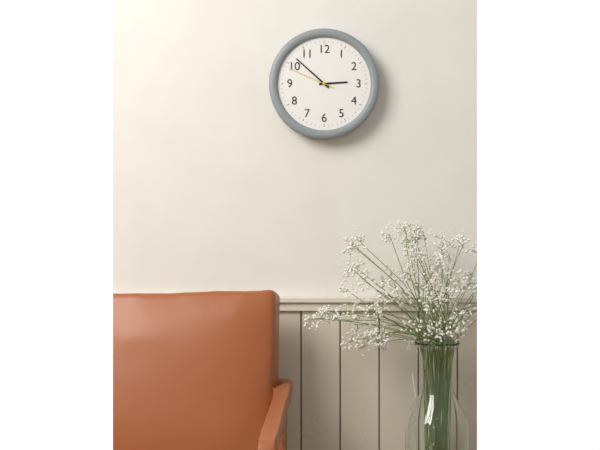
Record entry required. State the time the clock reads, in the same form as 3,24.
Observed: 2,52
